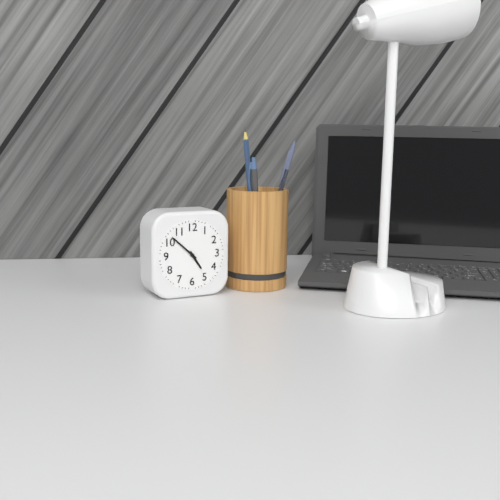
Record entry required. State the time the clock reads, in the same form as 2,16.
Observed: 4,52
